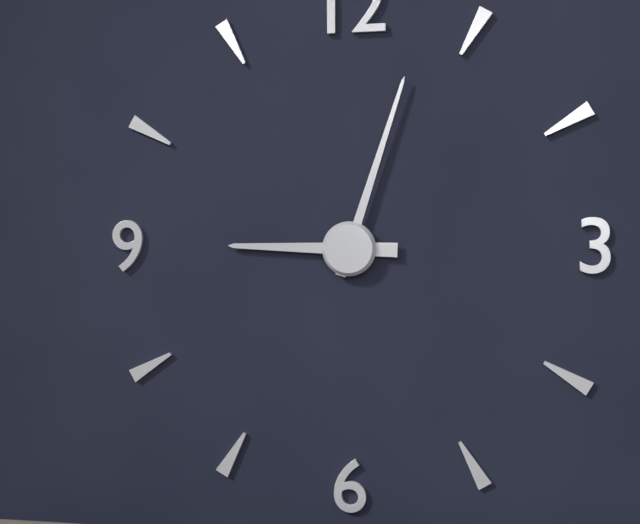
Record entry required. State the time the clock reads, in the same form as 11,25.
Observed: 9,03
